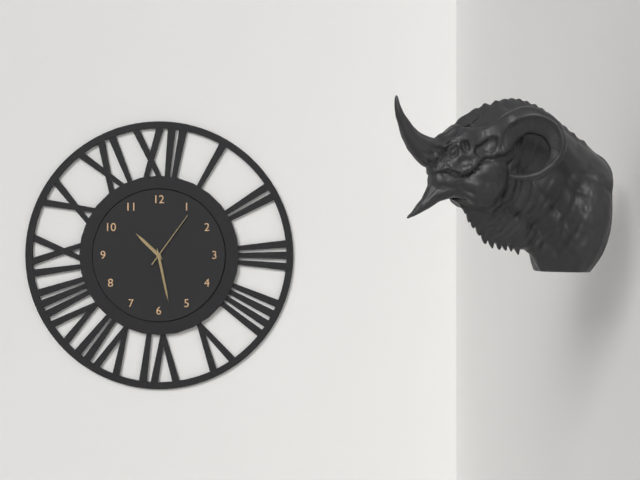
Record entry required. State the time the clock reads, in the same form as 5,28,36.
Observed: 10,28,06
